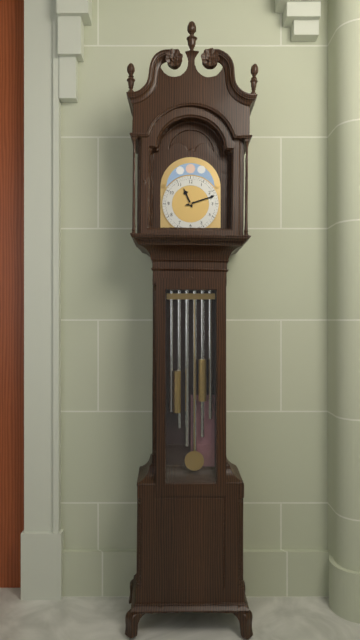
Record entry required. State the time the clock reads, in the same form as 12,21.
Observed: 11,12
